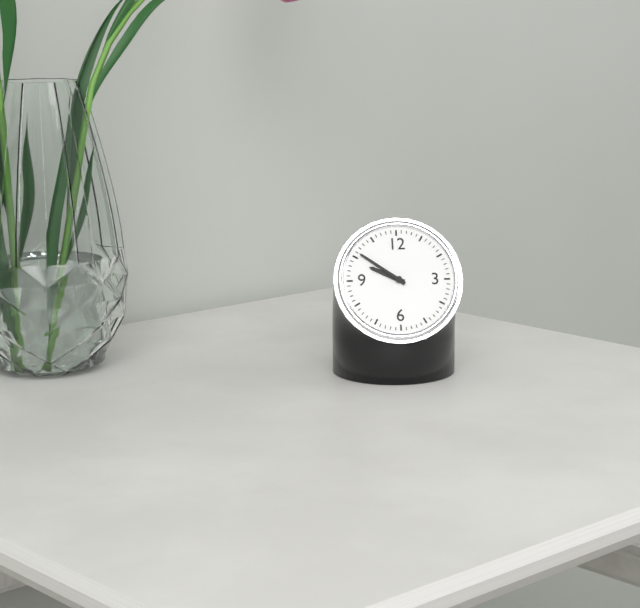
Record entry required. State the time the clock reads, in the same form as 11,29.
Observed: 9,51
